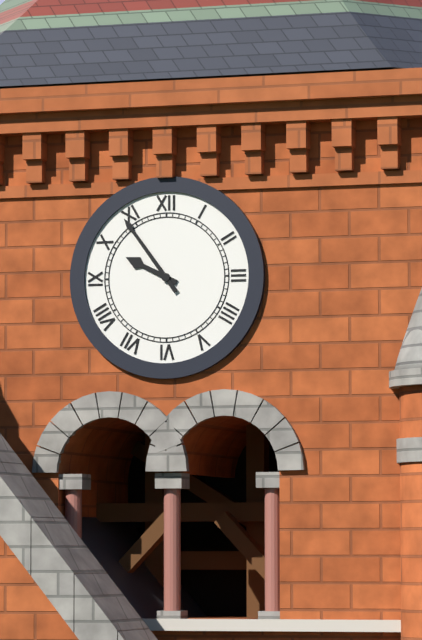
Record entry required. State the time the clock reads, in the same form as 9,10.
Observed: 9,54
